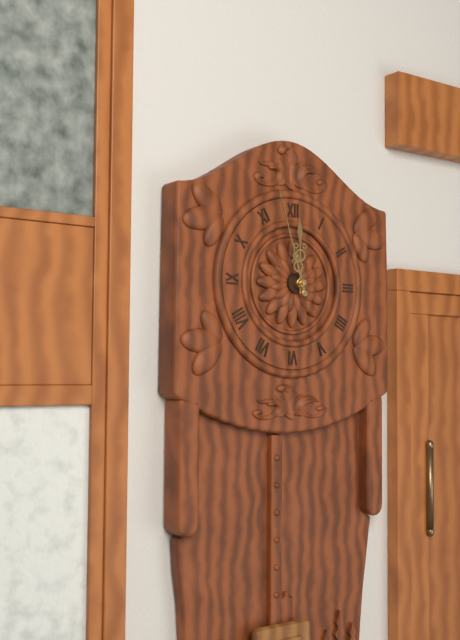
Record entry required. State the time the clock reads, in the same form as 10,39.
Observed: 11,57
